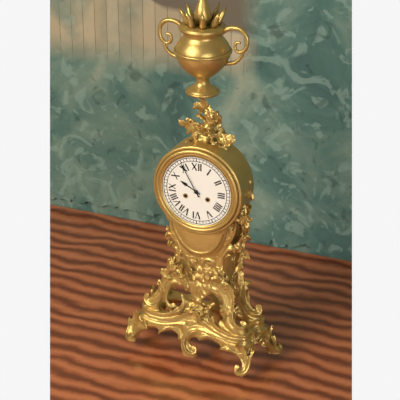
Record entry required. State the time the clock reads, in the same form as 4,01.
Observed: 9,55
